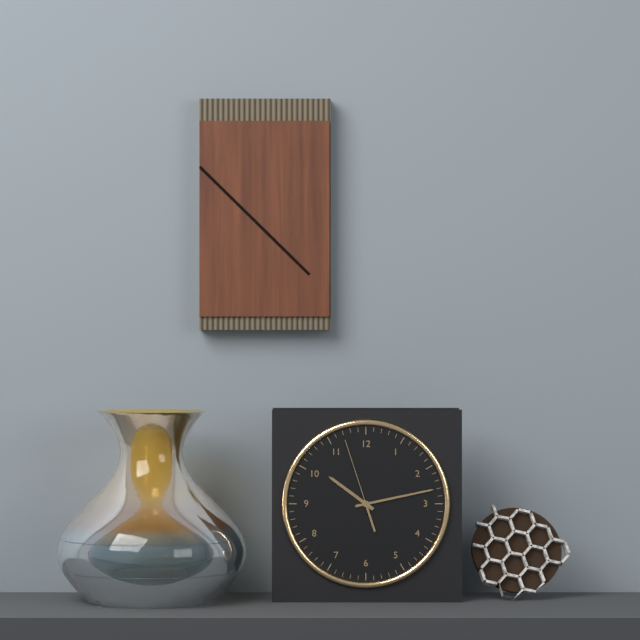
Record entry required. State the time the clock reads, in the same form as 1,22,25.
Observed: 10,13,57
